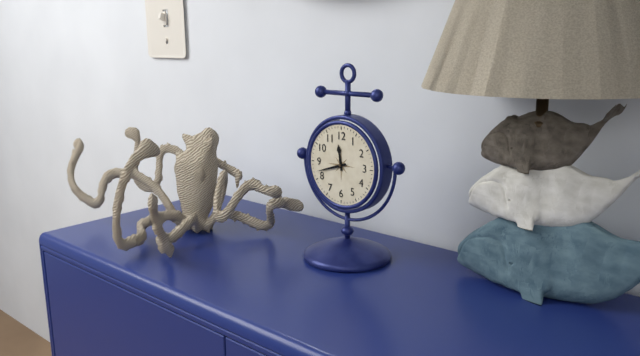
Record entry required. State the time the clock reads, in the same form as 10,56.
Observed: 11,42
